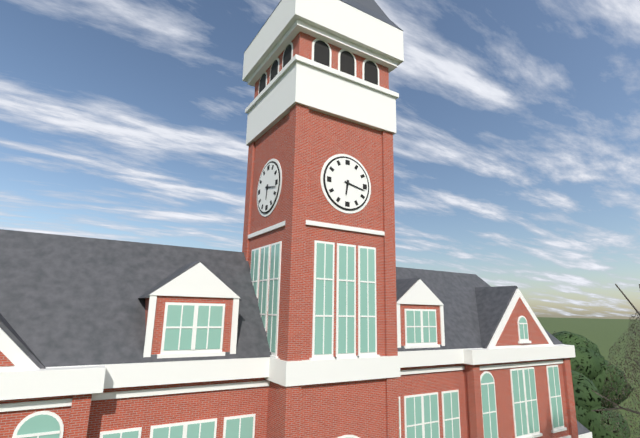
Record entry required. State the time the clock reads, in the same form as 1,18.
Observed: 6,17
